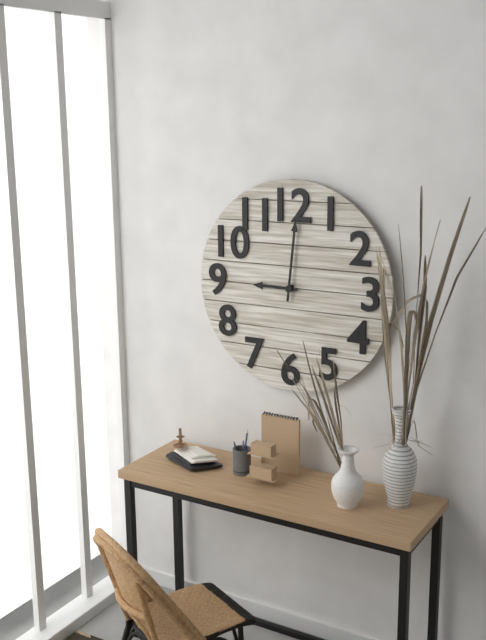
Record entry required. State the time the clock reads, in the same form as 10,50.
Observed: 9,01
